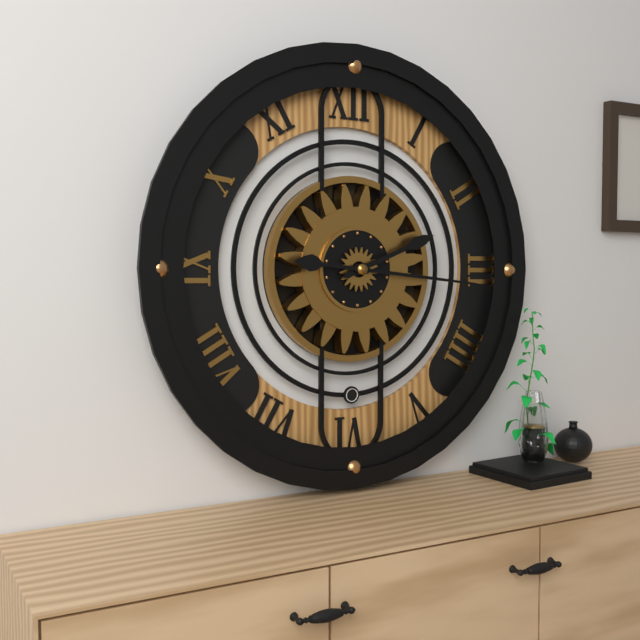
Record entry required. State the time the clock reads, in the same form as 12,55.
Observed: 2,16
